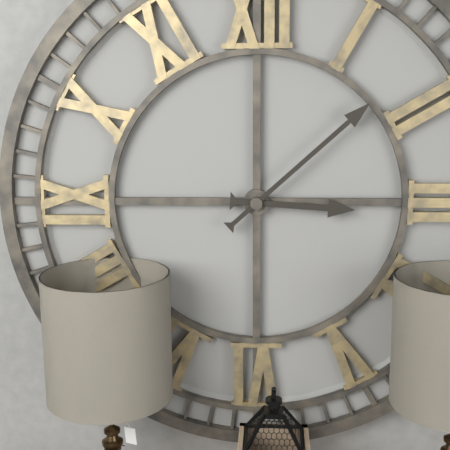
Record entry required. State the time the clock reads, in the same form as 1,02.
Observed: 3,08
